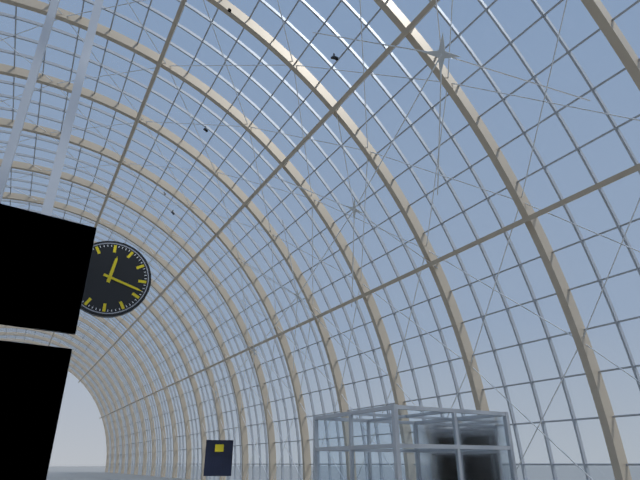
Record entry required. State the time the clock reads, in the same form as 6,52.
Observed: 12,18
